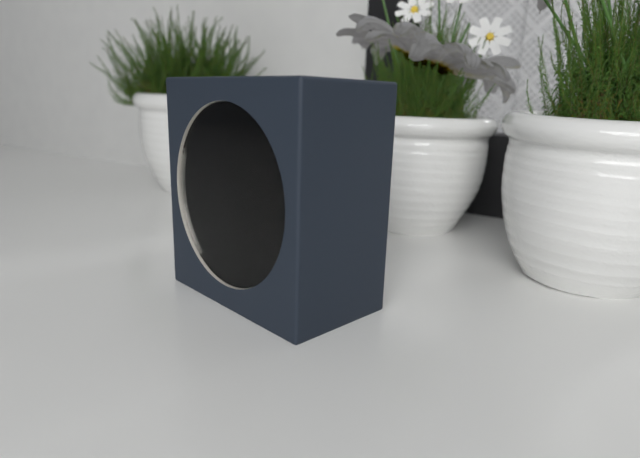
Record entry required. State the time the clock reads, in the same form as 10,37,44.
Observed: 2,20,52
